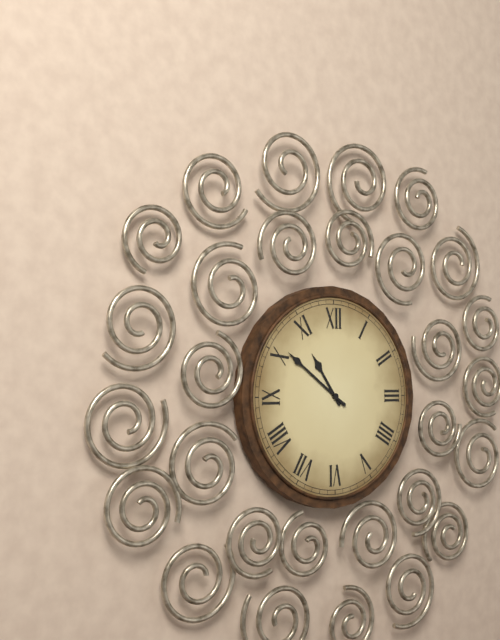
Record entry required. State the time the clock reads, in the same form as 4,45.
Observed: 10,51
